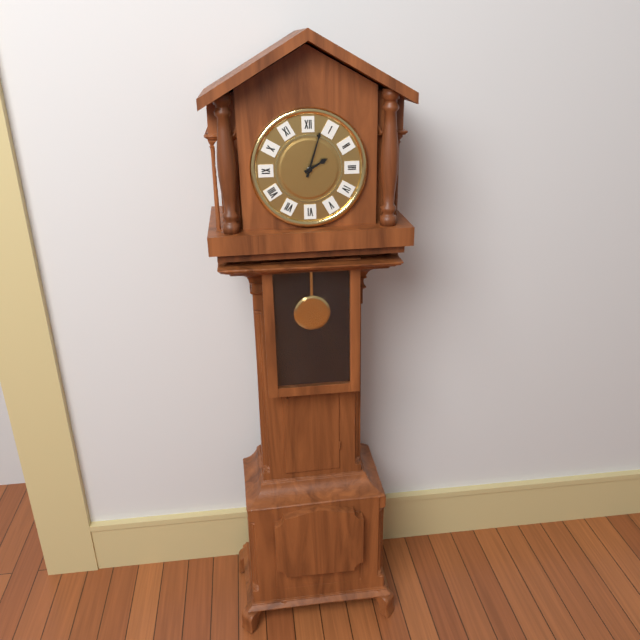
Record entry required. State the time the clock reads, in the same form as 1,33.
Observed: 2,03
